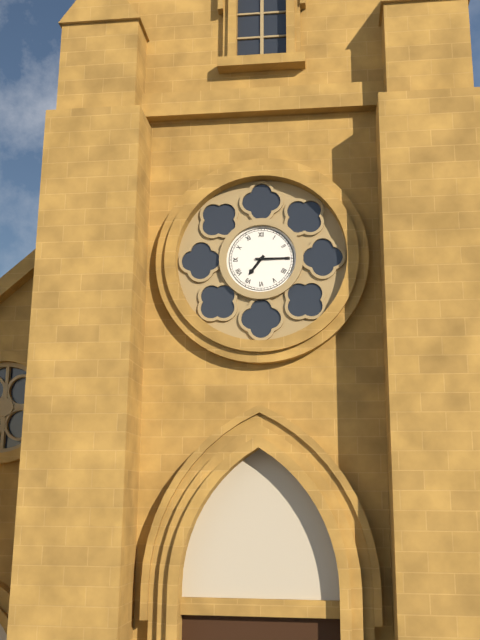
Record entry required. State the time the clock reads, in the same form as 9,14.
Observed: 7,15
